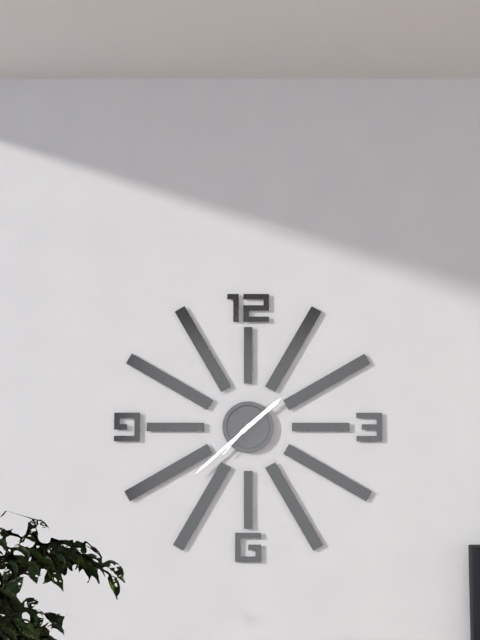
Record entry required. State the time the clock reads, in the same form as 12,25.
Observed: 1,38
